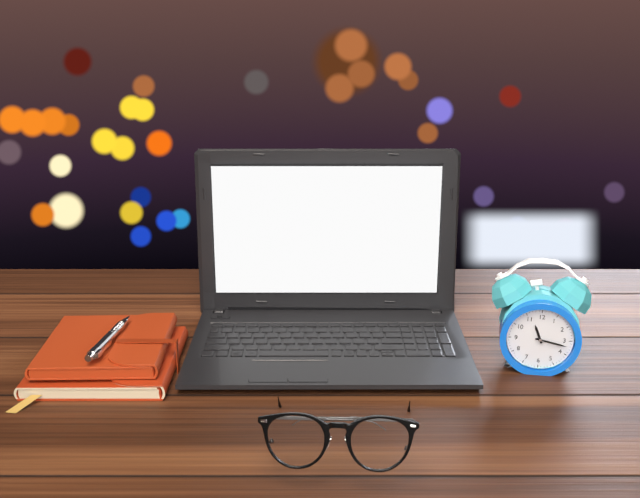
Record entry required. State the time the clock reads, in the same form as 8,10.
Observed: 11,17
